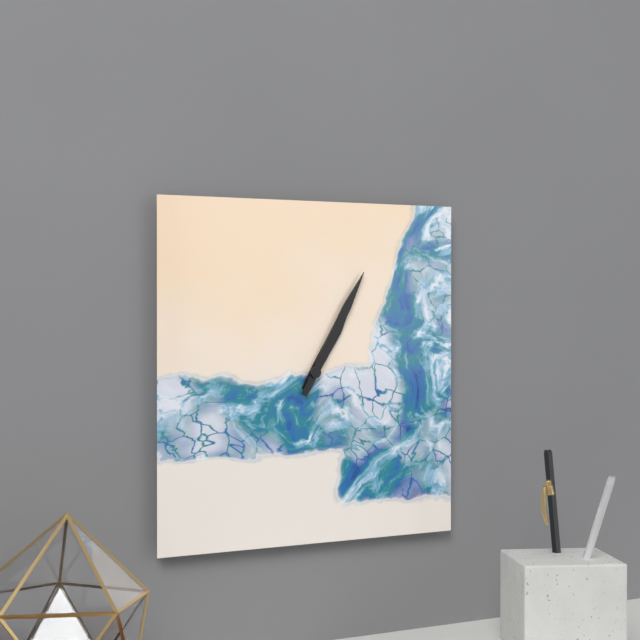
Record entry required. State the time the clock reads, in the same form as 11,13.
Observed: 1,05
